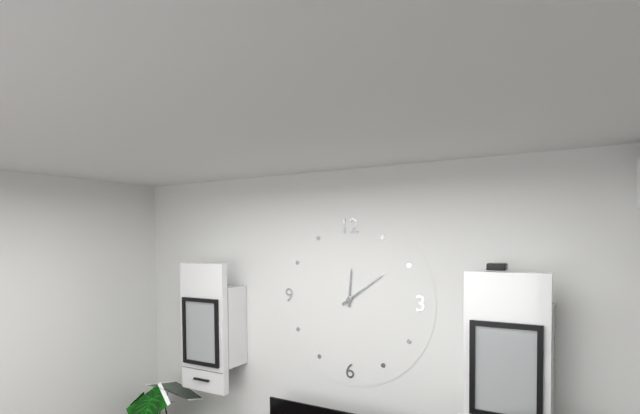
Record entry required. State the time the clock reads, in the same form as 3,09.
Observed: 12,09
